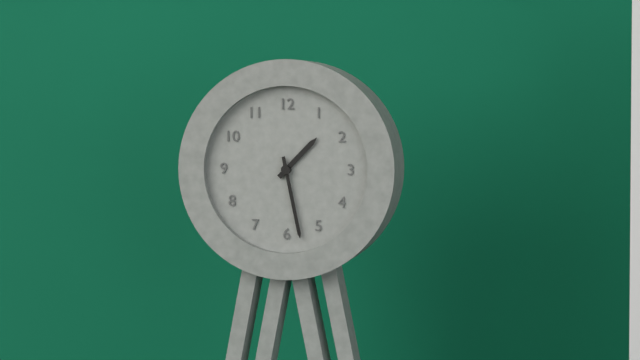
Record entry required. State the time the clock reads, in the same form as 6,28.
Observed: 1,28
